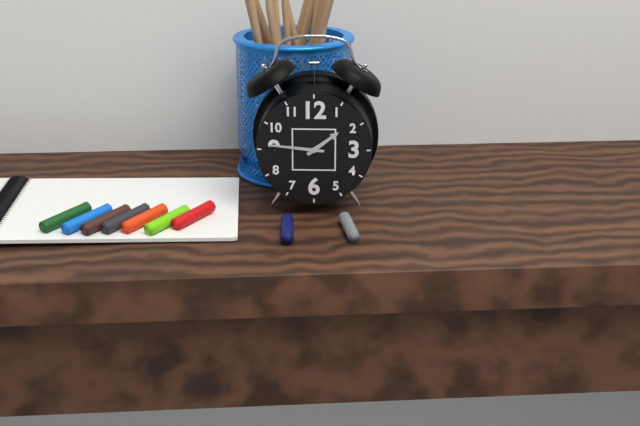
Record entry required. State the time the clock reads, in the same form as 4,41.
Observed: 1,46
